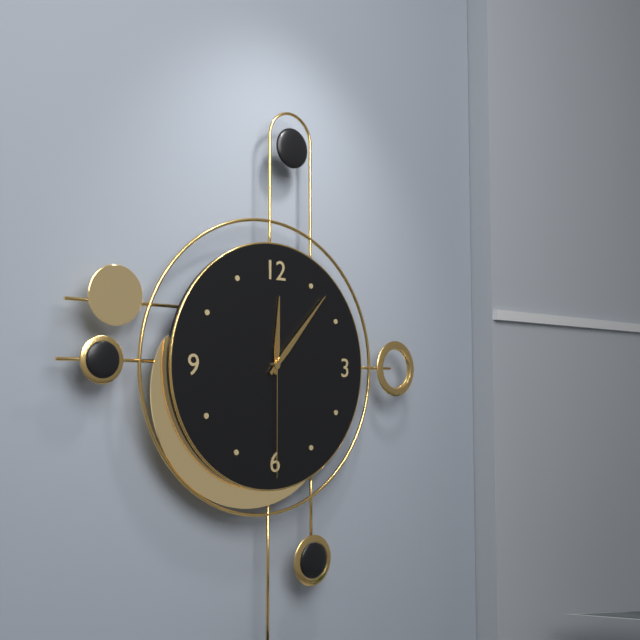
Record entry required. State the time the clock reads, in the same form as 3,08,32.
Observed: 12,07,30
